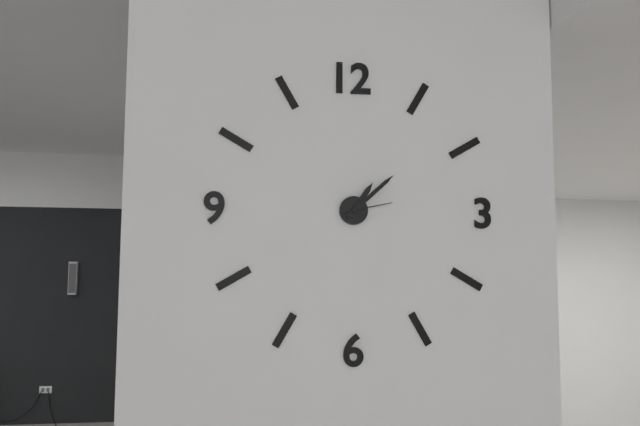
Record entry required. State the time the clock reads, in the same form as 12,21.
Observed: 1,08
